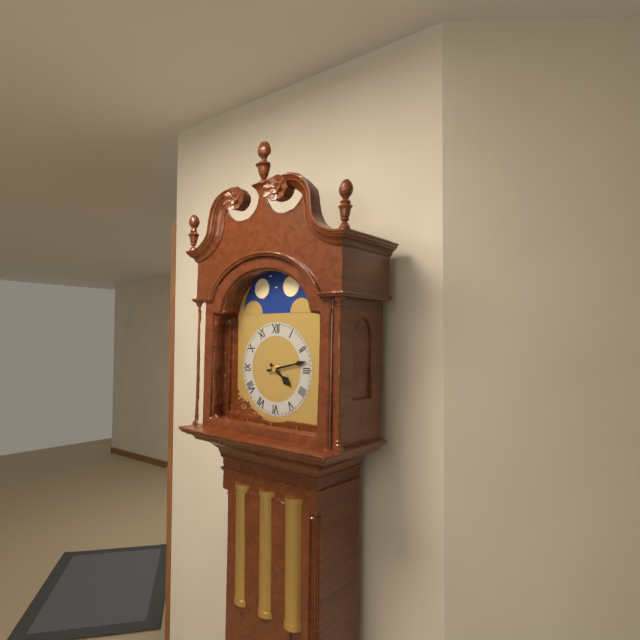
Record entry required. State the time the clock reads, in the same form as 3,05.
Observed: 4,13
